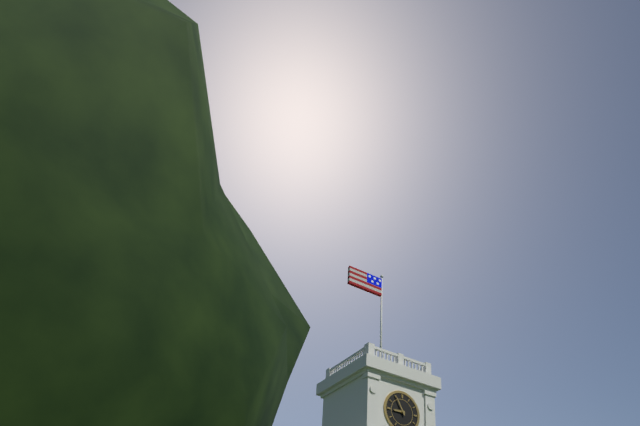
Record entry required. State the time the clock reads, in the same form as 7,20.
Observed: 8,55
